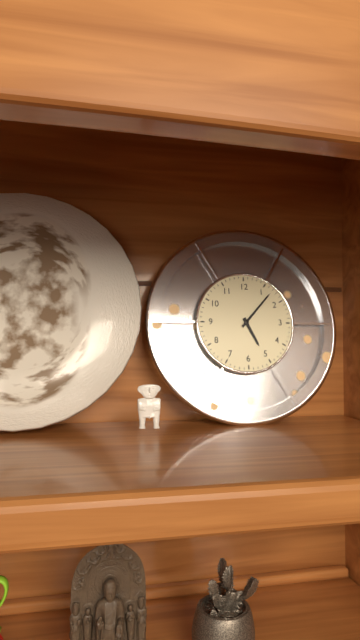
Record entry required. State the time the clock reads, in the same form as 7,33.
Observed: 5,07
